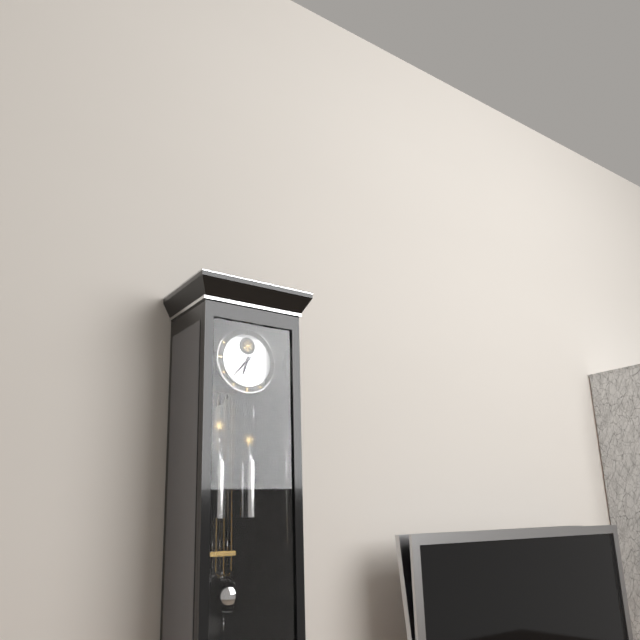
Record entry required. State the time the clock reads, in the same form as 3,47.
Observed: 6,37
